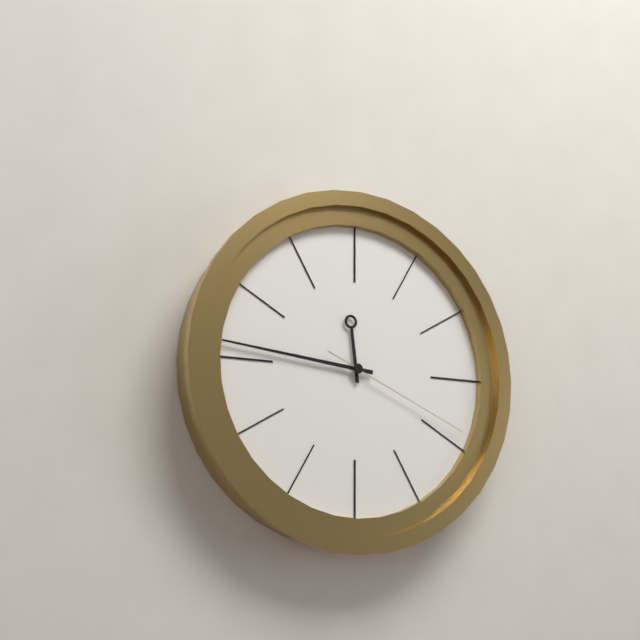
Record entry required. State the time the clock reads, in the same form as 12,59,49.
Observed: 11,46,19
